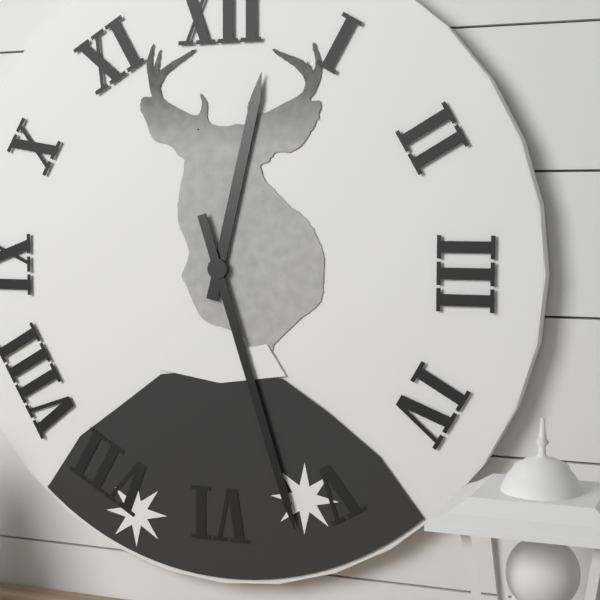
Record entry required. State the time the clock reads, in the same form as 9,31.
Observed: 12,27
